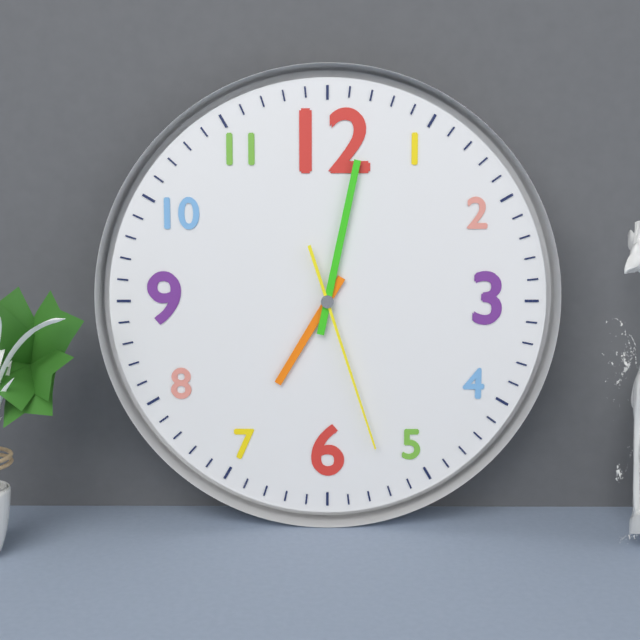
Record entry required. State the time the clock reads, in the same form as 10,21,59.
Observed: 7,02,27
